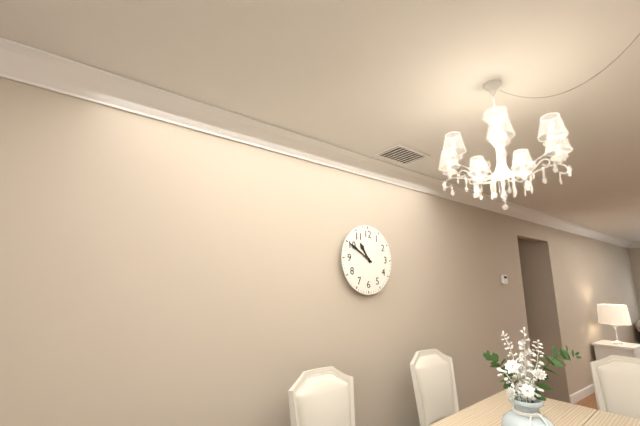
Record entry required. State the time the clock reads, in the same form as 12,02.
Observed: 10,50
